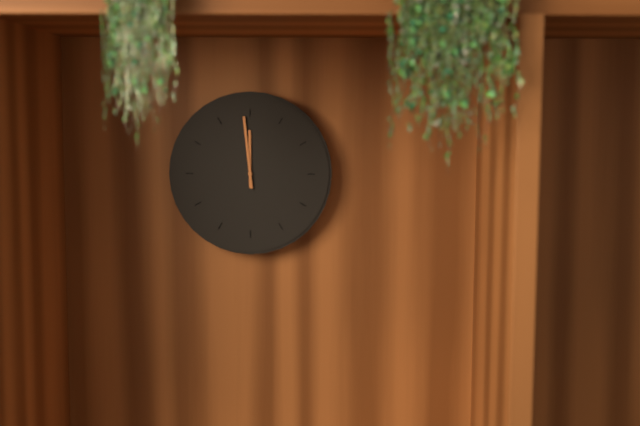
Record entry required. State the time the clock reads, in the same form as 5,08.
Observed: 11,59
